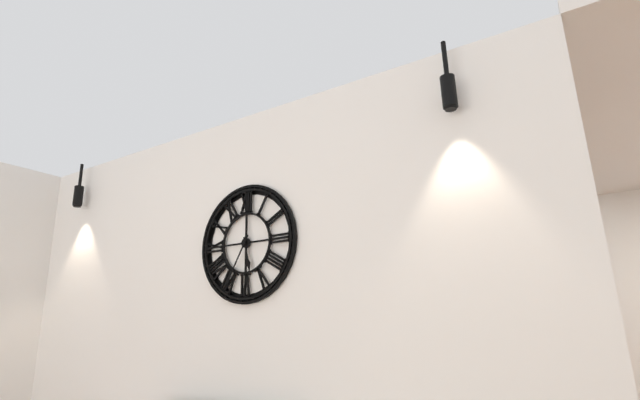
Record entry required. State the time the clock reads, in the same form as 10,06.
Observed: 5,35
